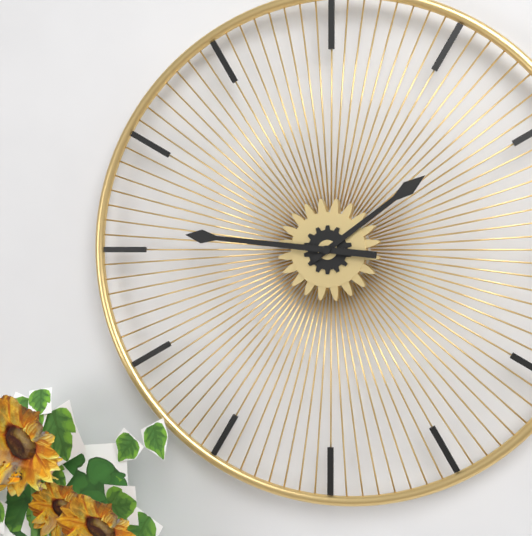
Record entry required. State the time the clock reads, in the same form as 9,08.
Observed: 1,46
